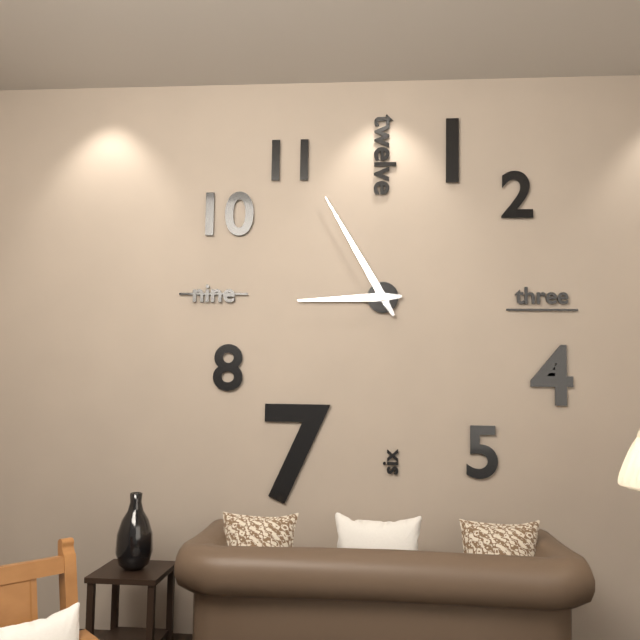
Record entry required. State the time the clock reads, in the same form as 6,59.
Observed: 8,55
